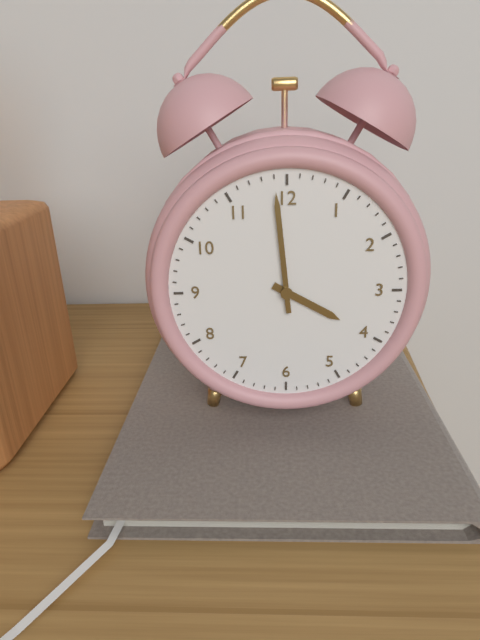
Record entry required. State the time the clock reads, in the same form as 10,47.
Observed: 3,59
